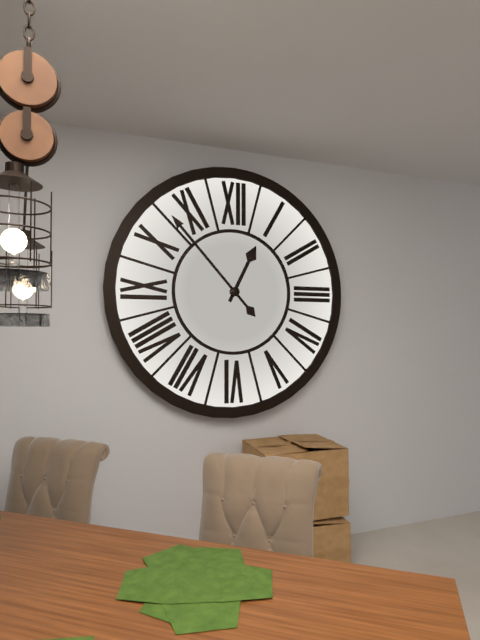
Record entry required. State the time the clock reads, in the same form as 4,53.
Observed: 12,53
